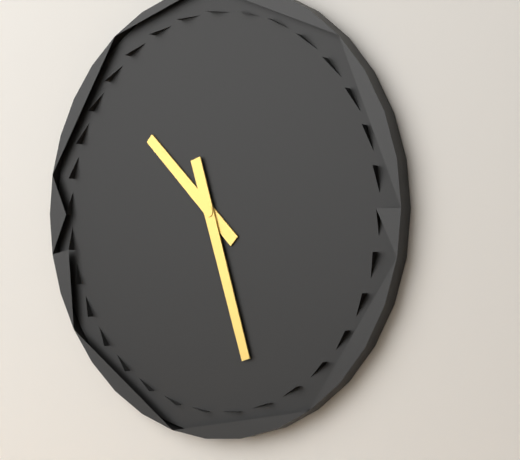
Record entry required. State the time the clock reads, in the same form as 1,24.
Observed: 10,27
